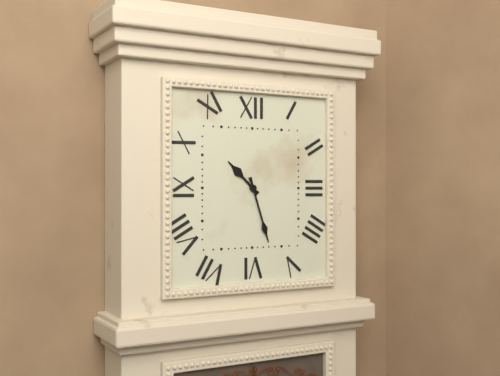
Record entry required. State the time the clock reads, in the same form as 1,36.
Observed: 10,27
